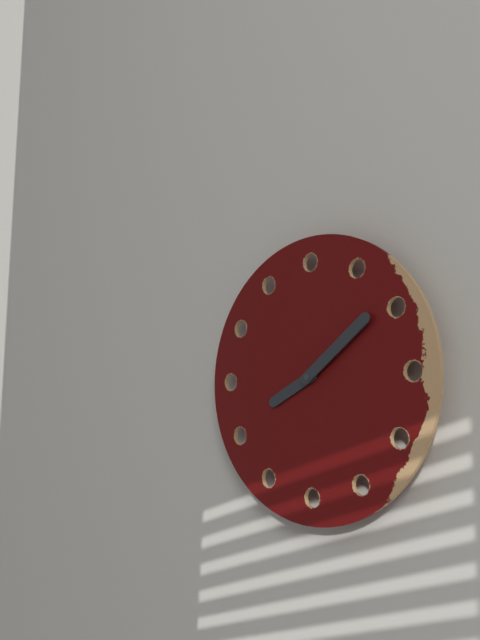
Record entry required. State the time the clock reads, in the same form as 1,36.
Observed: 8,09
